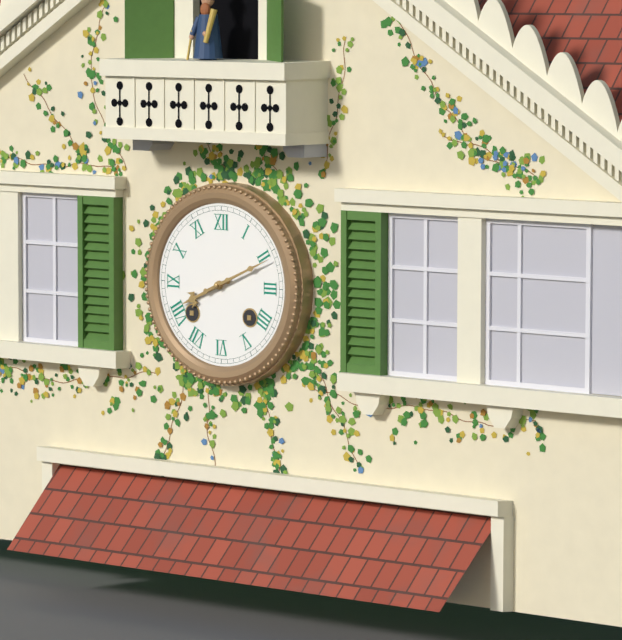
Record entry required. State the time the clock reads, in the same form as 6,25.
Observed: 8,11
